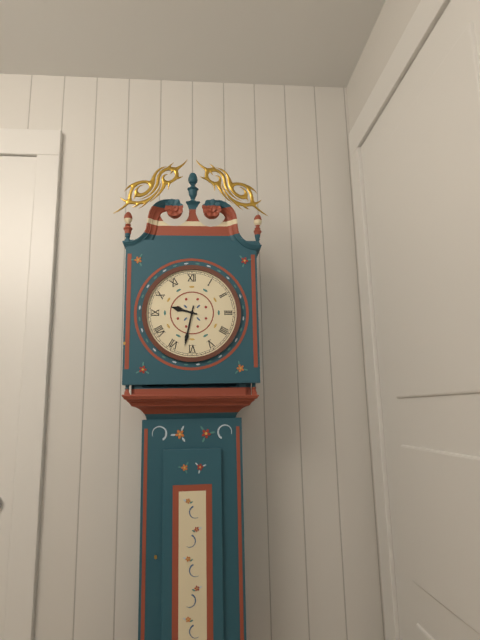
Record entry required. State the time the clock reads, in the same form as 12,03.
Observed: 9,32
